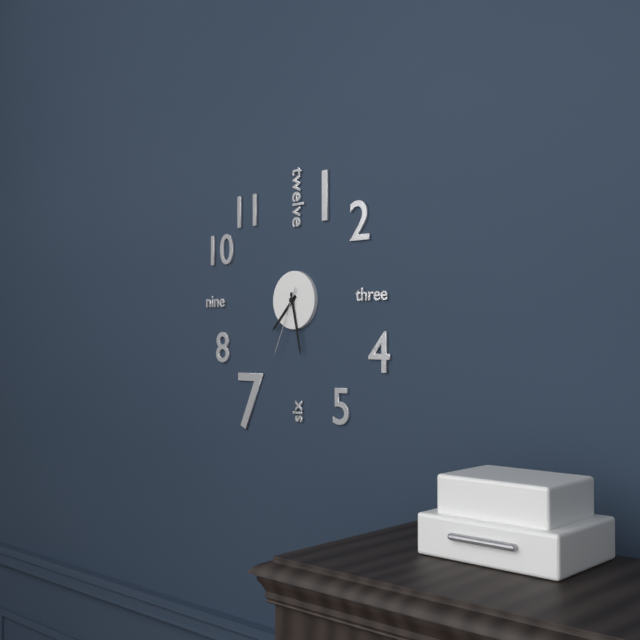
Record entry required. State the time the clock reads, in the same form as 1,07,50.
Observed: 7,28,34
